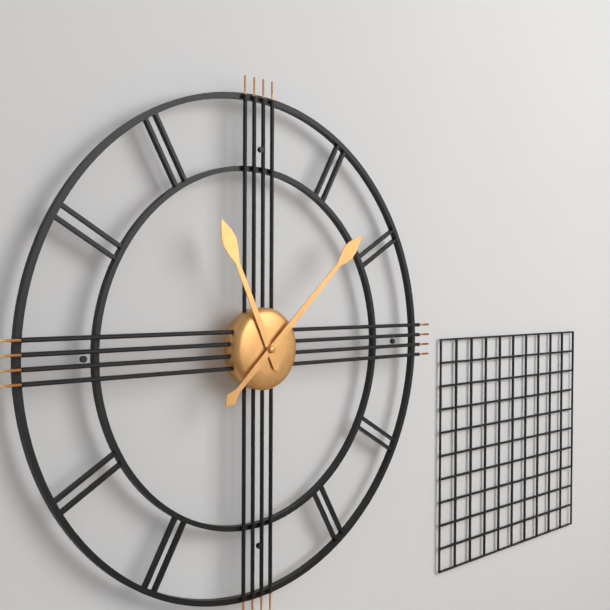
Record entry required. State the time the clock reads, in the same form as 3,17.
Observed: 11,08
